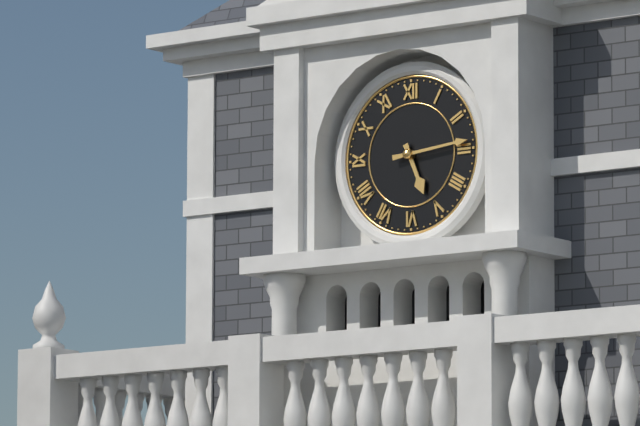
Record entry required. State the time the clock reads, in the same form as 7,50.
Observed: 5,14
